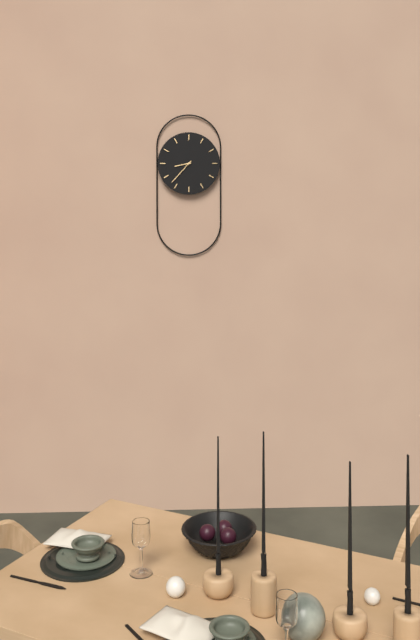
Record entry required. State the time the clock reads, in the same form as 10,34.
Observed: 8,37
